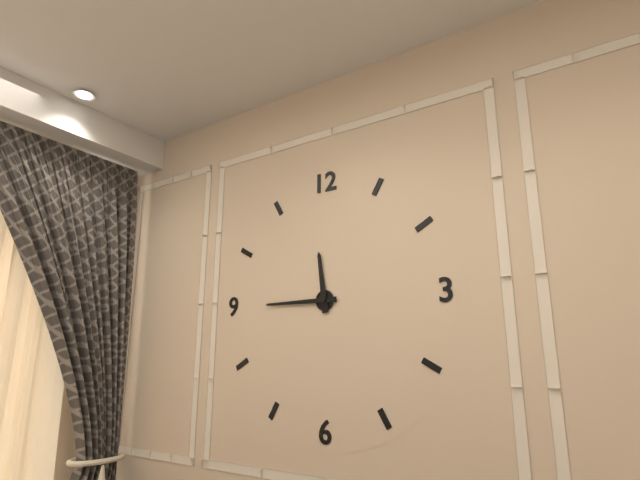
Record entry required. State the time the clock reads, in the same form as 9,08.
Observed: 11,45
